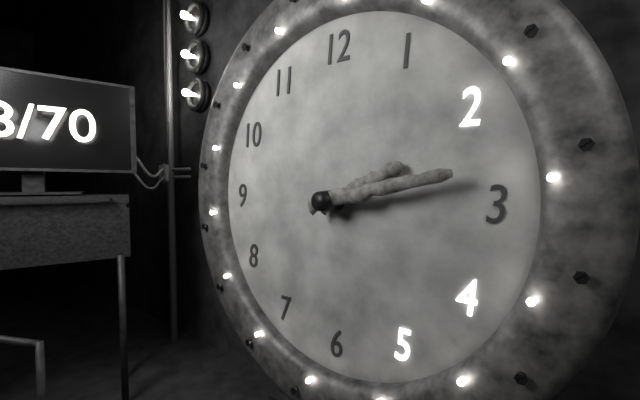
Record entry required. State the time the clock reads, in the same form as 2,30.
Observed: 2,13
